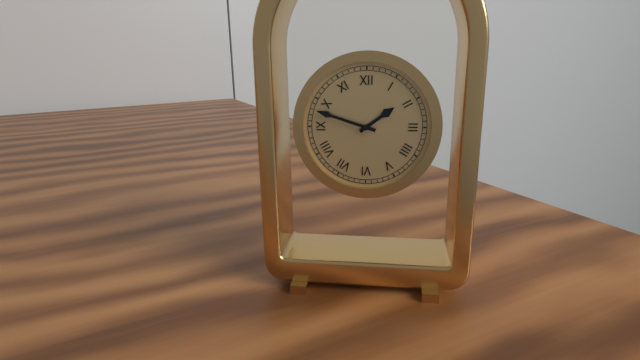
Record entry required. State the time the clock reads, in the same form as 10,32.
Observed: 1,48
